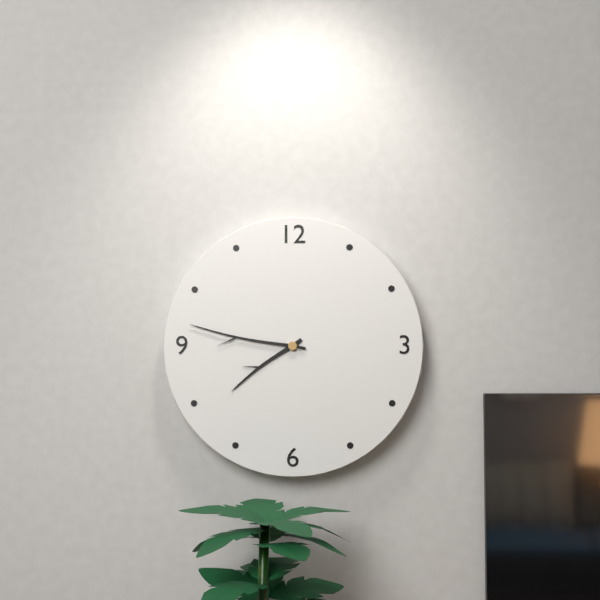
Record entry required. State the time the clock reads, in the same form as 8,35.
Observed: 7,47
